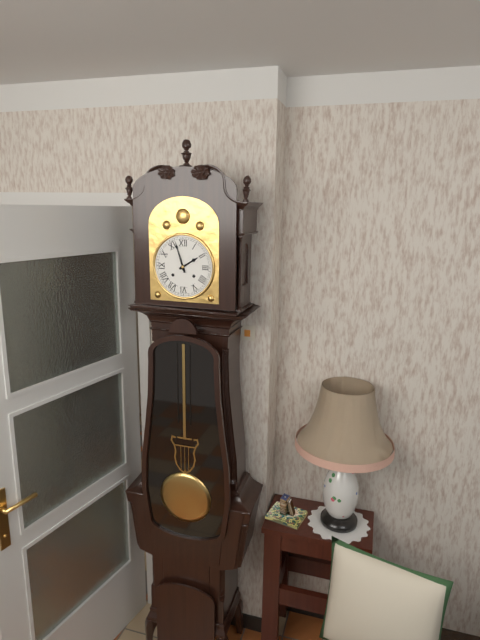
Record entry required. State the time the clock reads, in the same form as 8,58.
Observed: 1,57
